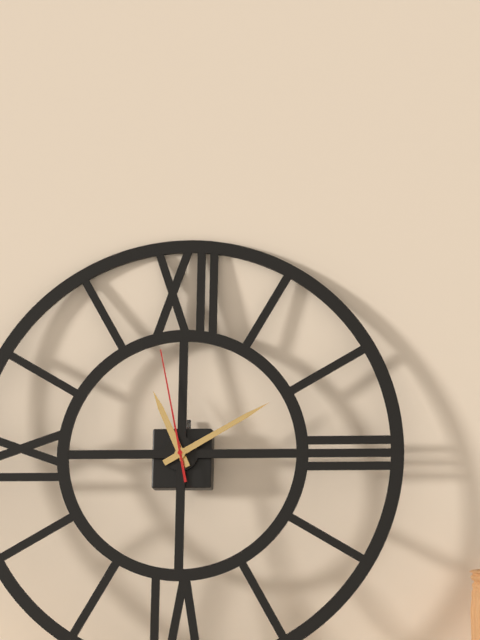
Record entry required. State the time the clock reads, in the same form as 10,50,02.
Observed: 11,10,58
